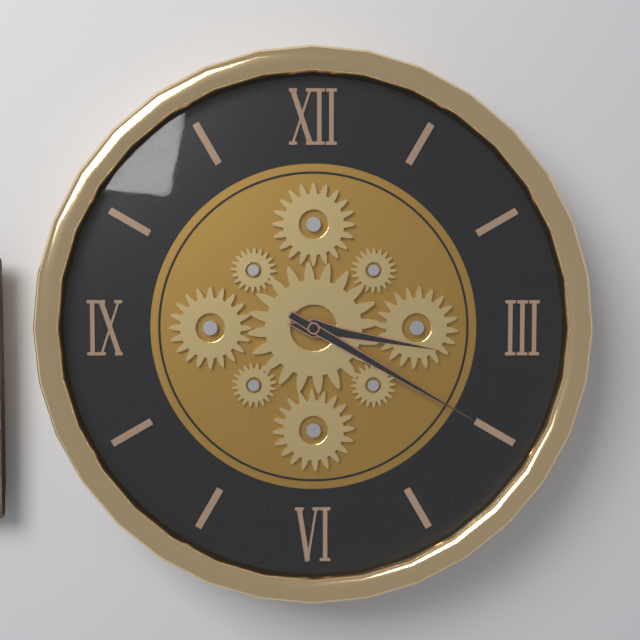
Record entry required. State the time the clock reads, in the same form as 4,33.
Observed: 3,20
